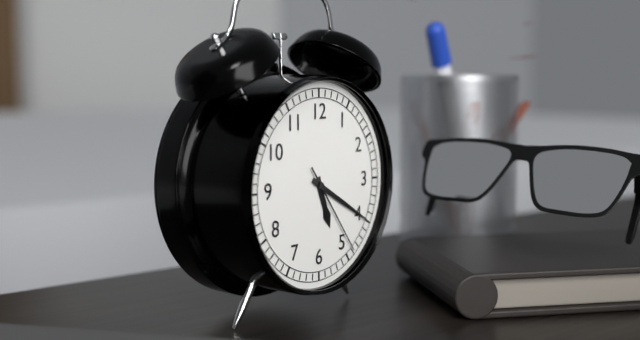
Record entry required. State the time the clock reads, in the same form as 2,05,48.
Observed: 5,20,24
